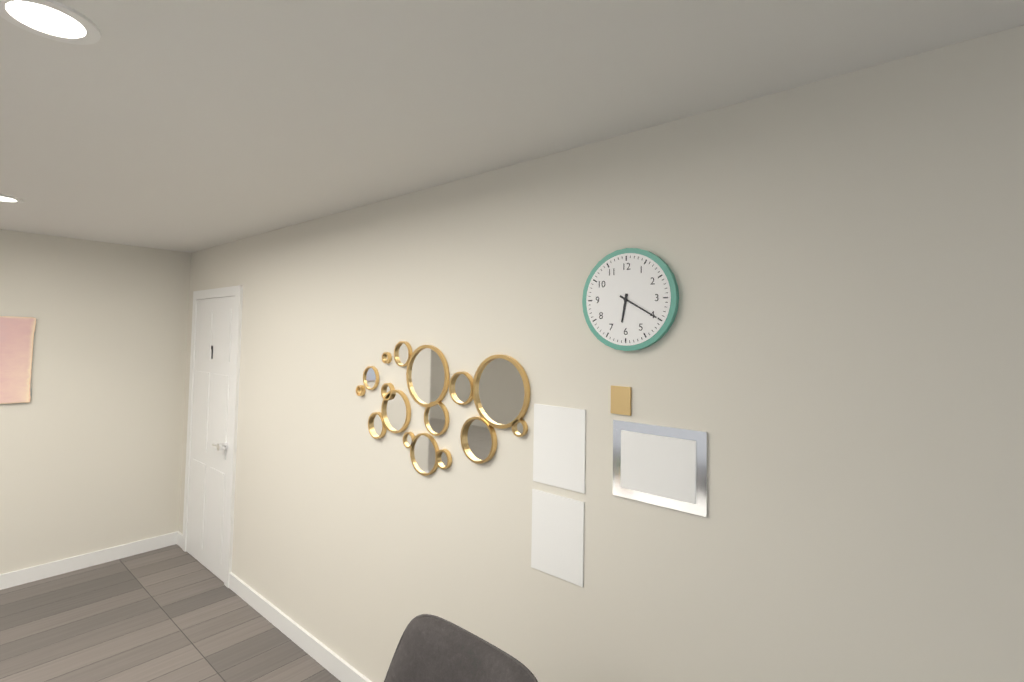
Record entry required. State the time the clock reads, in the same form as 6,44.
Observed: 6,20
